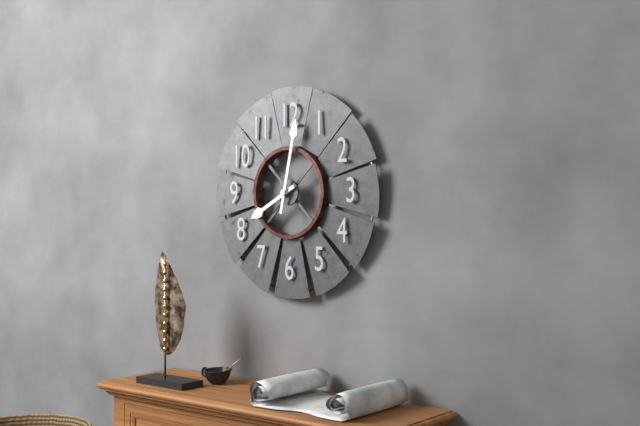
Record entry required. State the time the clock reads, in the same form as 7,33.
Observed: 8,02
